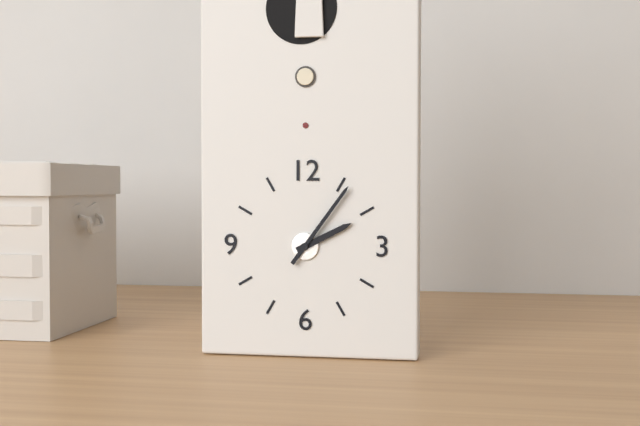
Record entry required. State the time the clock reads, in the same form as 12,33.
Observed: 2,06
